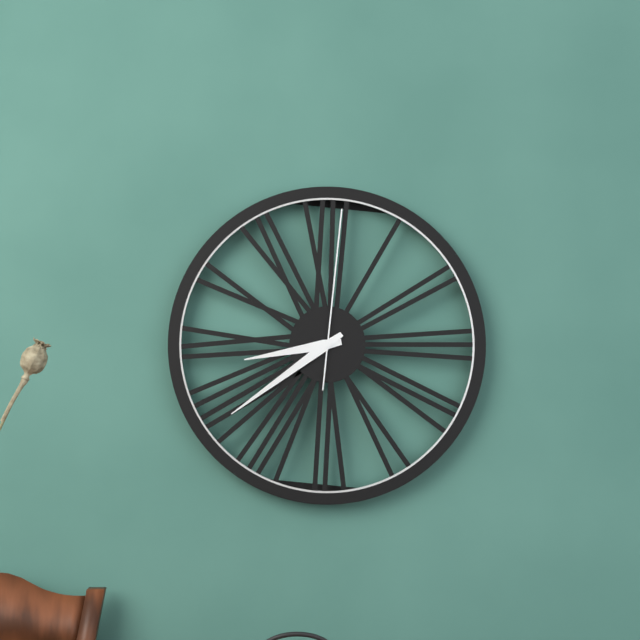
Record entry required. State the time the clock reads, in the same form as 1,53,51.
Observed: 8,39,01
